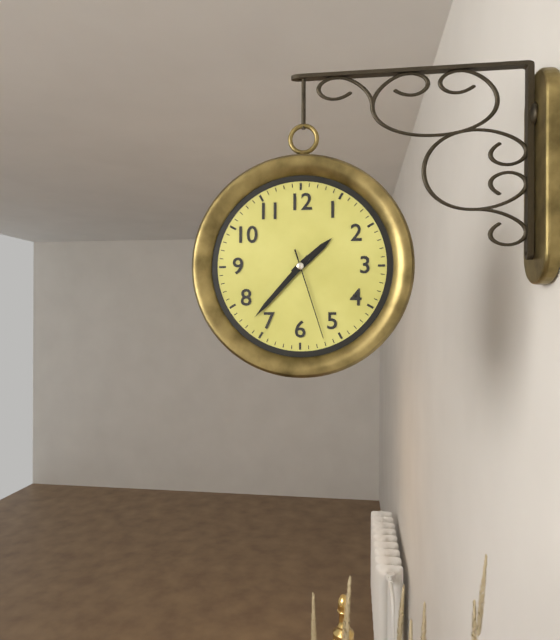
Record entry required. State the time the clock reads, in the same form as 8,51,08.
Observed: 1,37,27
